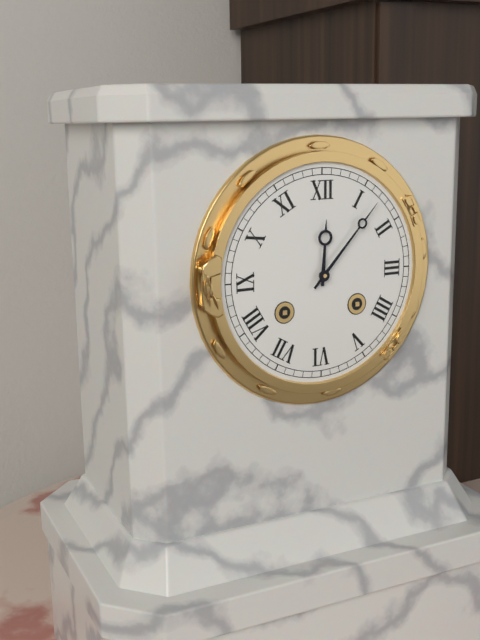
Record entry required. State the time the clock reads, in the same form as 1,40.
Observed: 12,07
